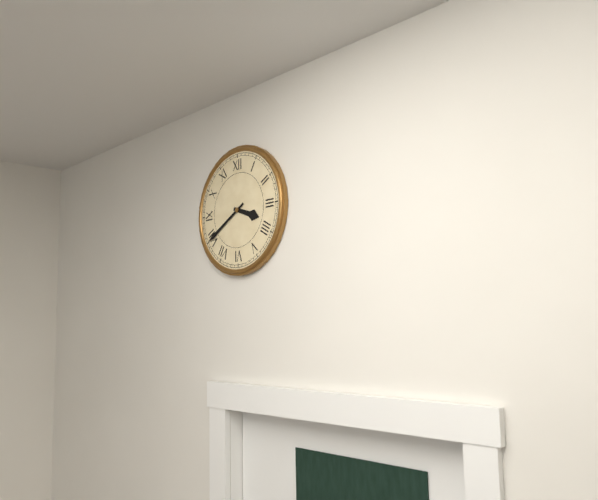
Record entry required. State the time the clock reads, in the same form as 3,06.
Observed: 3,40
